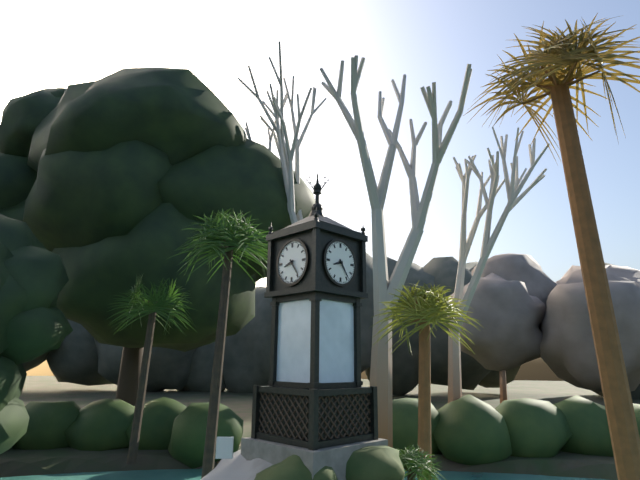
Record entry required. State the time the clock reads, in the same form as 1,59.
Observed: 8,24
